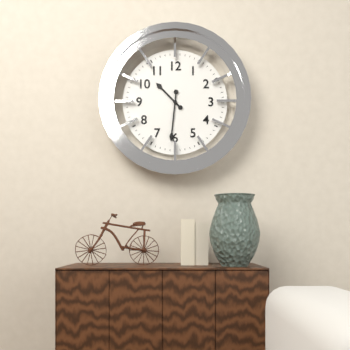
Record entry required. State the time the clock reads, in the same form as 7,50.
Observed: 10,31
